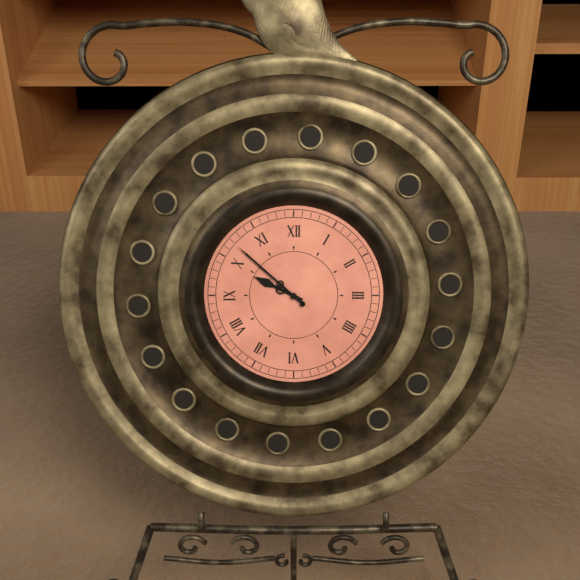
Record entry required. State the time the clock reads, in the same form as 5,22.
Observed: 9,52
